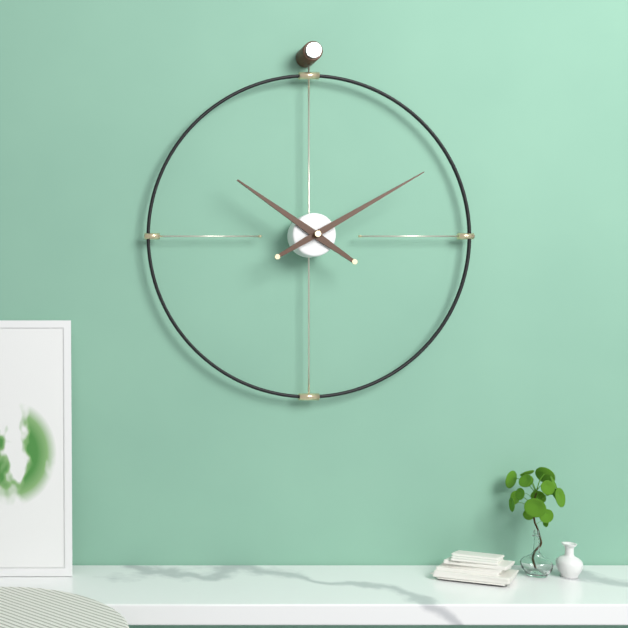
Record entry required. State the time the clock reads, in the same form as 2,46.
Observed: 10,10
